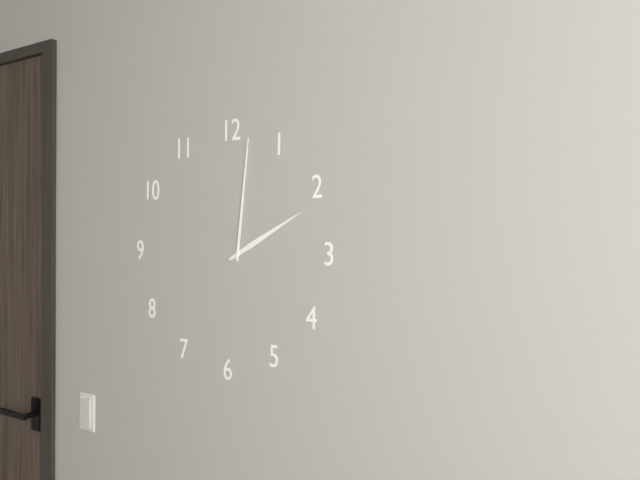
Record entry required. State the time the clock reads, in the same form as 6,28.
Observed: 2,01
